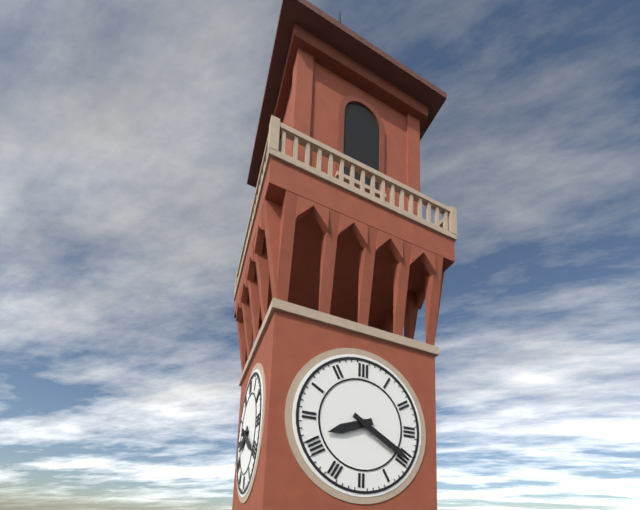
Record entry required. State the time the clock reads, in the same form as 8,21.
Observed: 8,20
